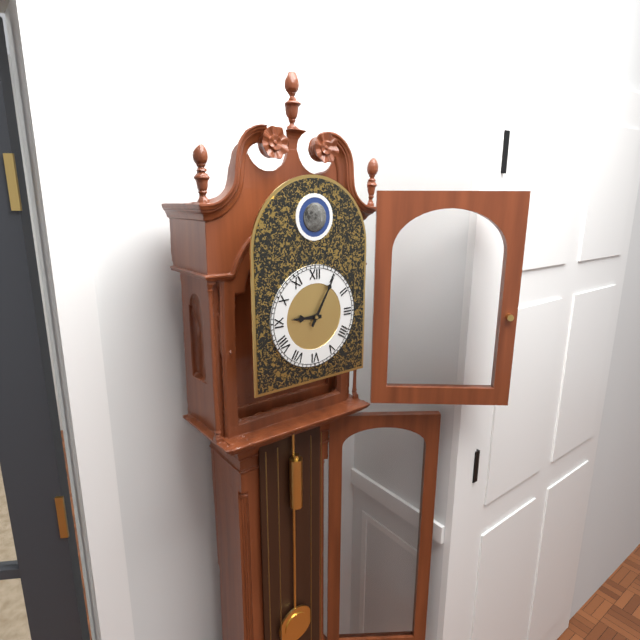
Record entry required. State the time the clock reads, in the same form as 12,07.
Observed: 9,05
